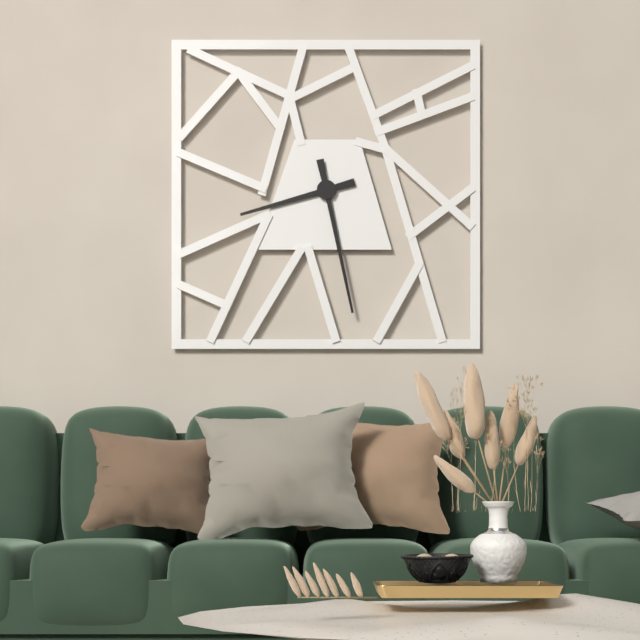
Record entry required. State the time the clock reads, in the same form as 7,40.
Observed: 8,28
